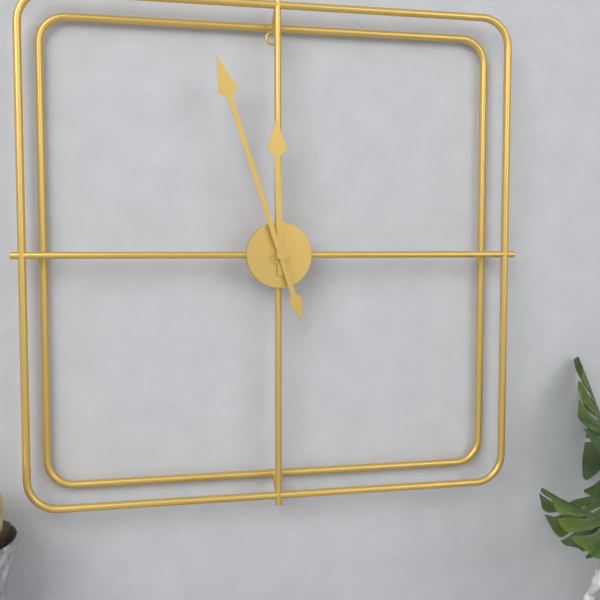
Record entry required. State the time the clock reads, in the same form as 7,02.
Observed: 11,57
